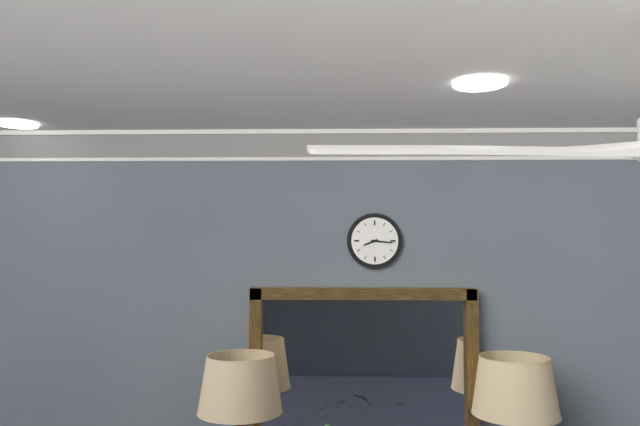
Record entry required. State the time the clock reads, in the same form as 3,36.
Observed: 8,16
